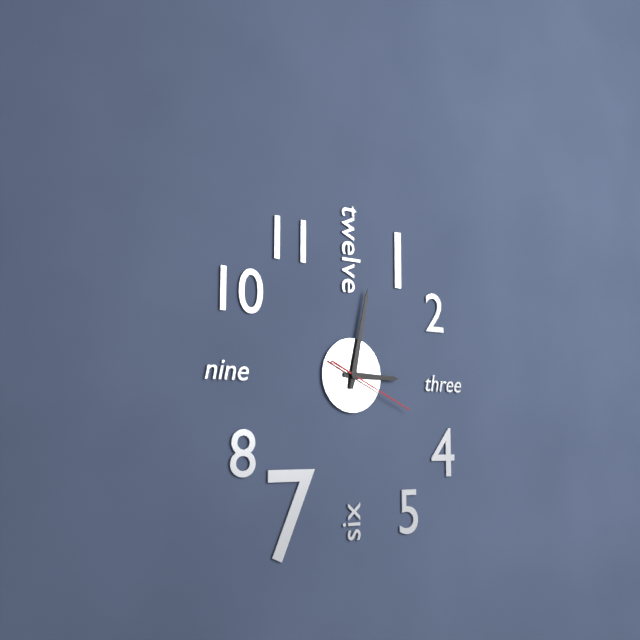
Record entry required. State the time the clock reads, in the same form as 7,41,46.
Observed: 3,02,19
